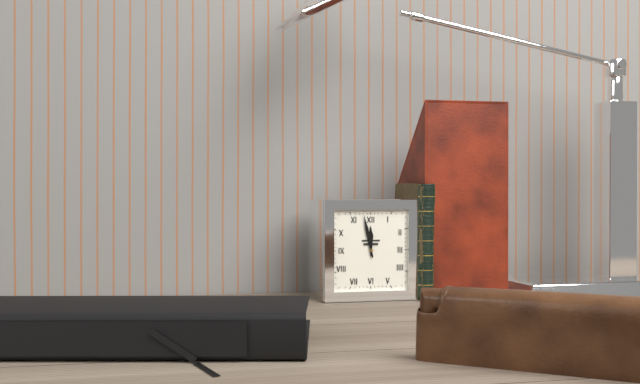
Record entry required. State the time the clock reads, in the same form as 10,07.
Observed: 11,58
